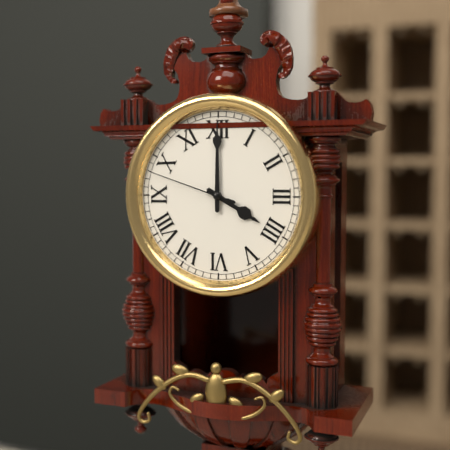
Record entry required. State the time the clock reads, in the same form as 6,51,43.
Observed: 4,00,48
